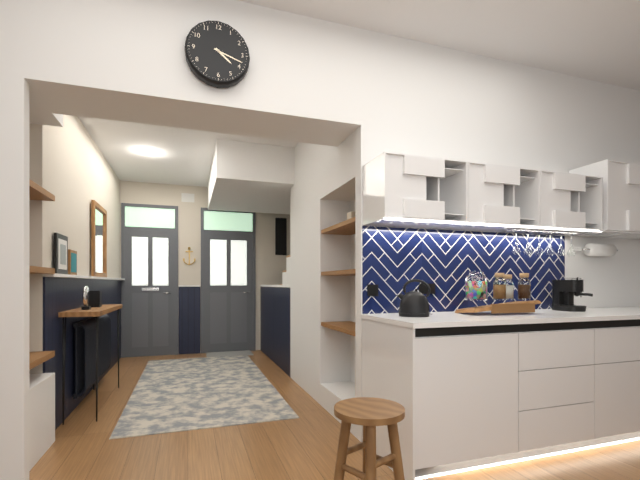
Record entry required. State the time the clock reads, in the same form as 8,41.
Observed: 4,18
